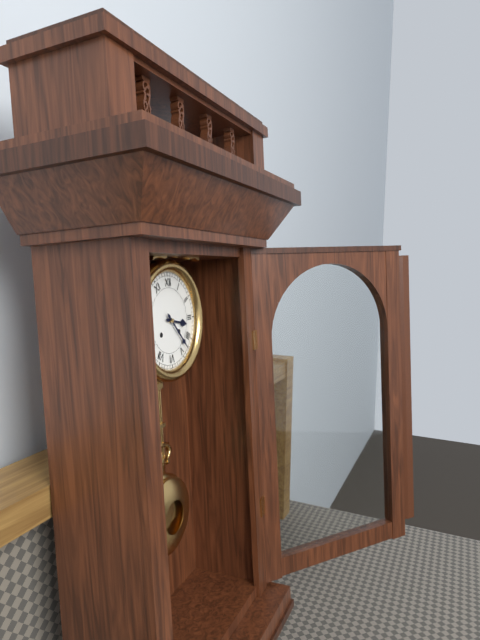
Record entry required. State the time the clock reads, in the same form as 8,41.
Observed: 3,23
